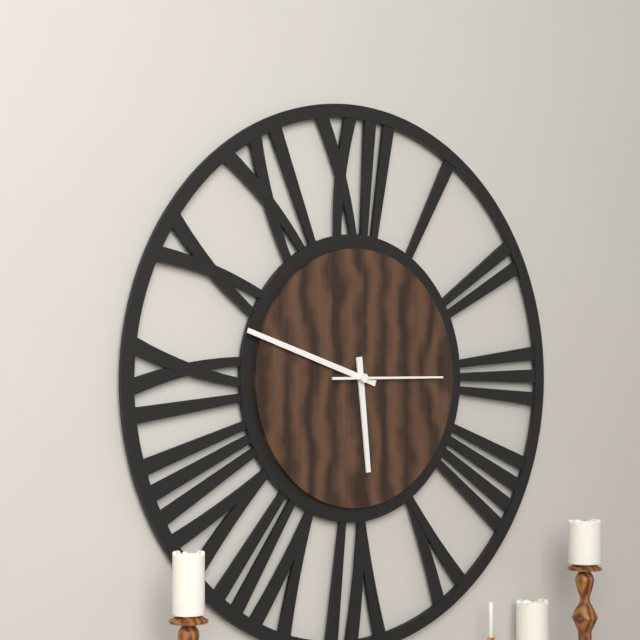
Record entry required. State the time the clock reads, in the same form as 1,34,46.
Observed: 5,48,15
